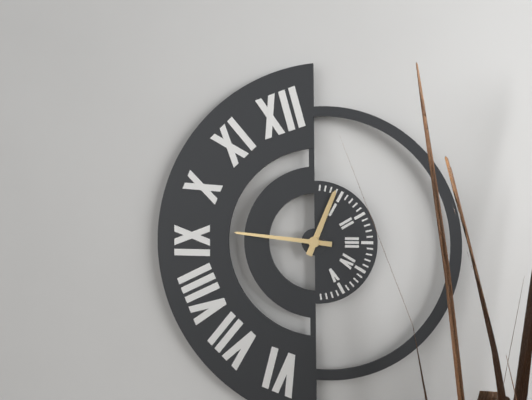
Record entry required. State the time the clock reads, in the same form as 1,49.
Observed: 12,46
